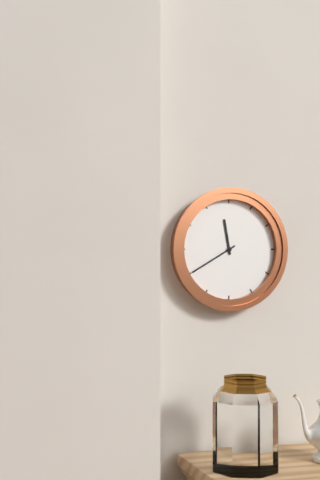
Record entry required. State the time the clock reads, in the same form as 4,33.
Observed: 11,40
